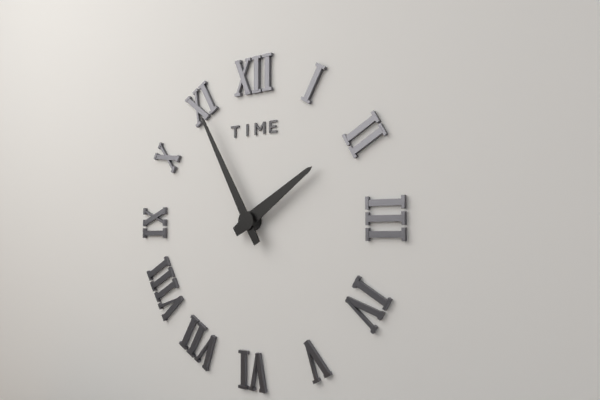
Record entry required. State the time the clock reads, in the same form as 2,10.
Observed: 1,55
